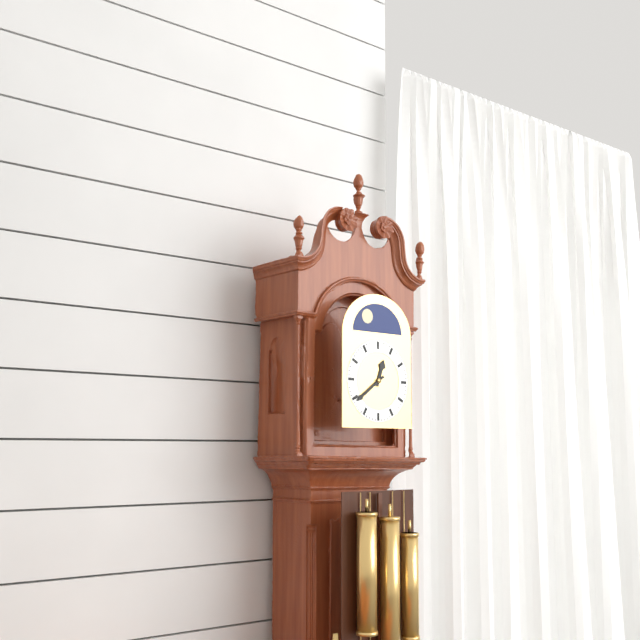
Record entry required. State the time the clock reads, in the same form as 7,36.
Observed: 12,39
